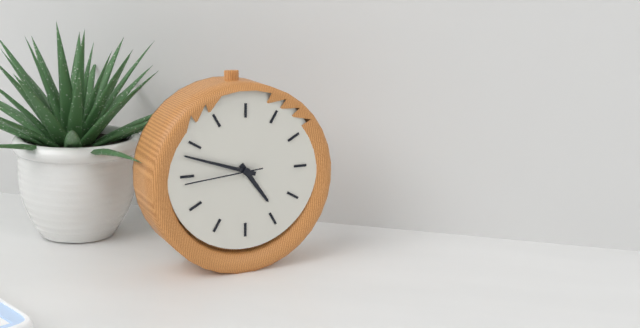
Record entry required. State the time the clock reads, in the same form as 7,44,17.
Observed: 4,48,44
